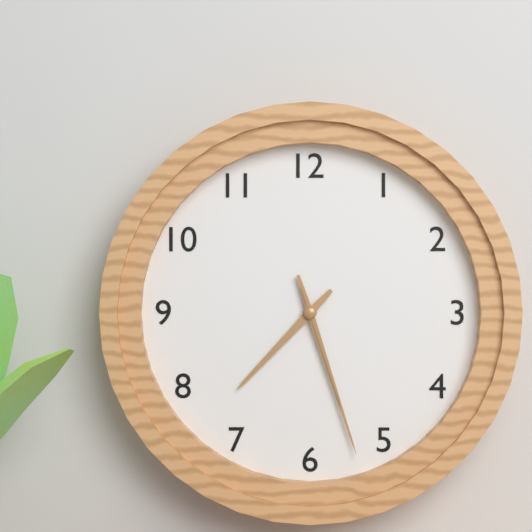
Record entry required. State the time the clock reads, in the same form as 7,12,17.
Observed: 7,27,27
